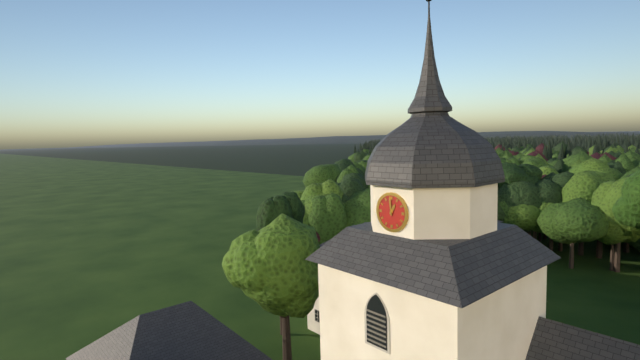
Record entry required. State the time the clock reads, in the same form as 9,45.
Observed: 12,59
